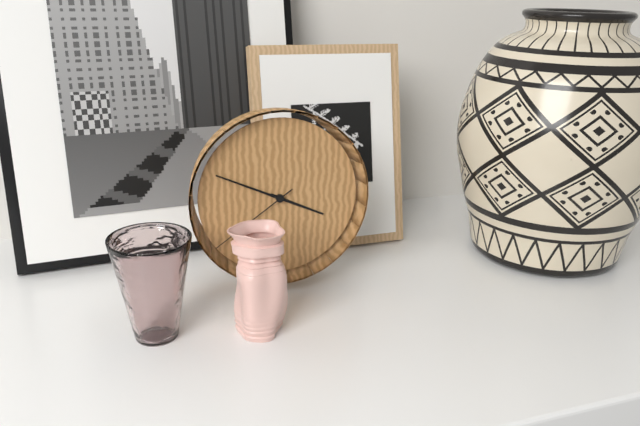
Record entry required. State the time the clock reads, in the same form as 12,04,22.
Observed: 3,49,39
